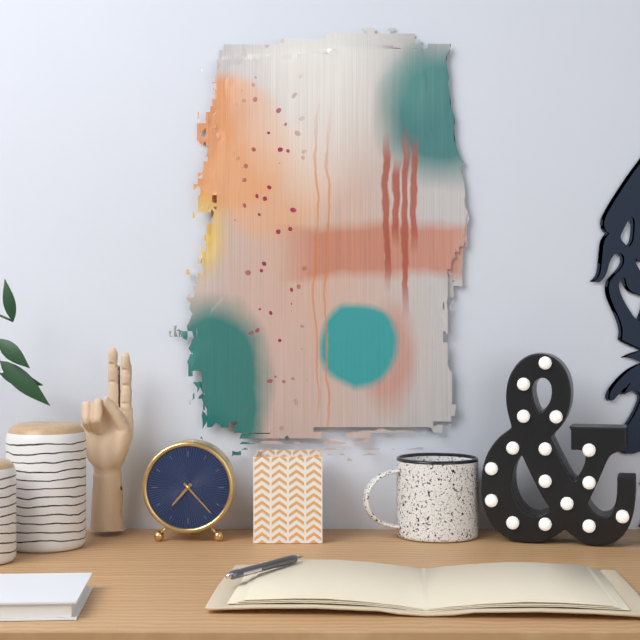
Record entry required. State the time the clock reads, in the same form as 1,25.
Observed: 7,23
